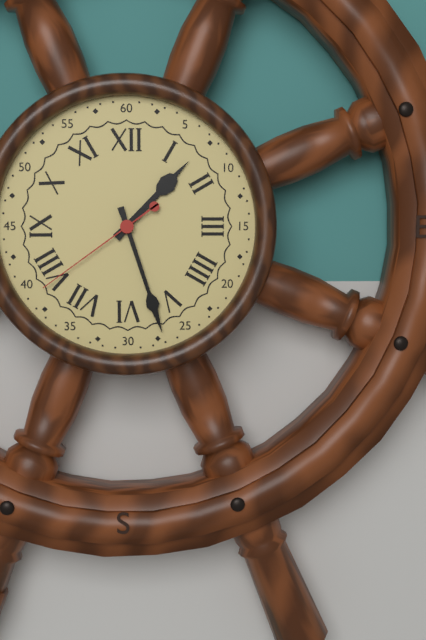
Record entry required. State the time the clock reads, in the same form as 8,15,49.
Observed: 1,27,39
